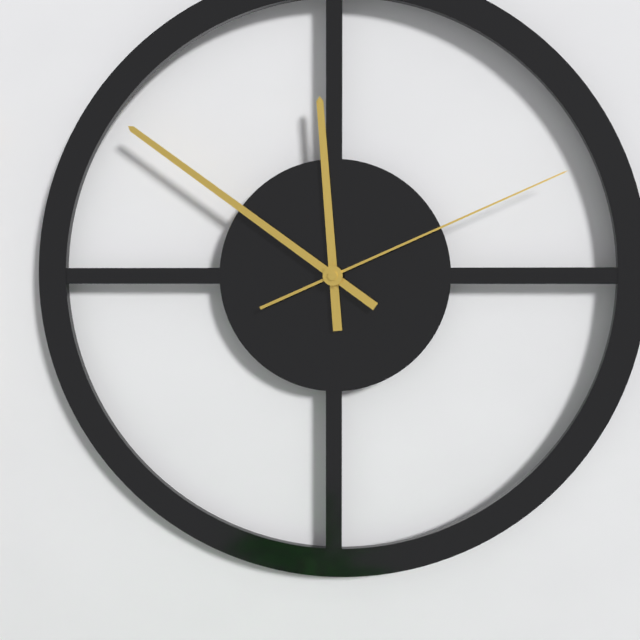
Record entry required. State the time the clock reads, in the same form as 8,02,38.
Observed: 11,51,11
